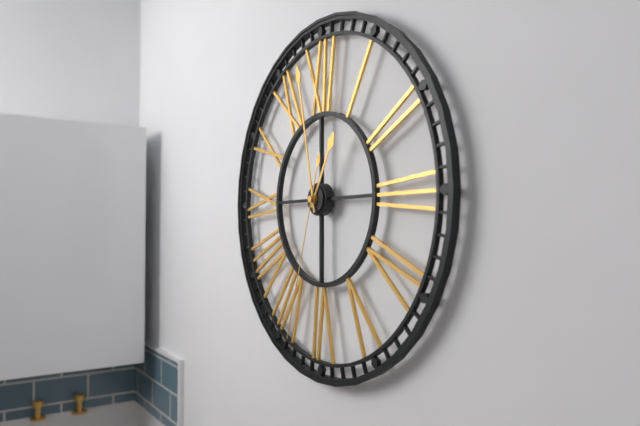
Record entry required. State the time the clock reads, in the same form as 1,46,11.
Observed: 12,58,33
